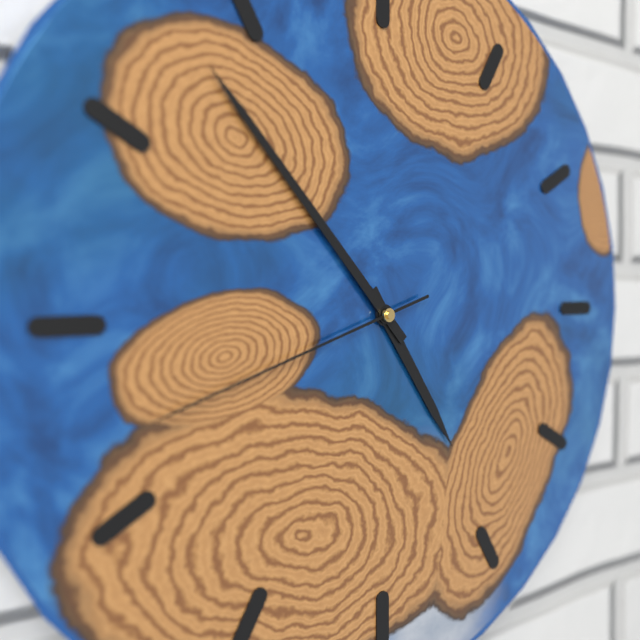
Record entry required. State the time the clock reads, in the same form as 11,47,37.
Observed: 4,53,42
